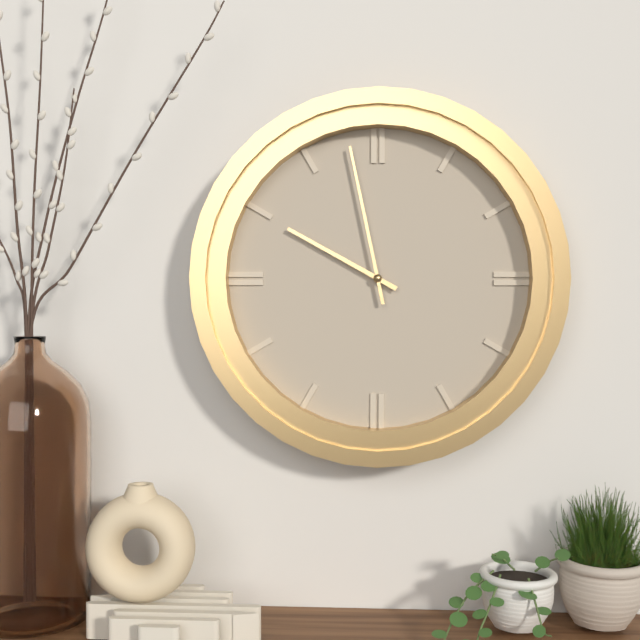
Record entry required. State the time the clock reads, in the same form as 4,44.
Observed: 9,58
